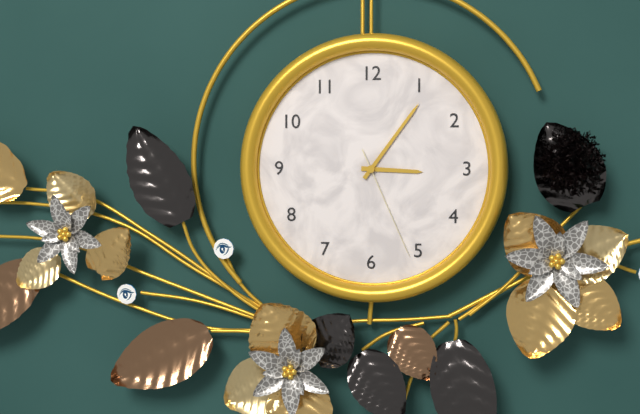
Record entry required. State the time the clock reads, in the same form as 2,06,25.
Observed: 3,06,26
